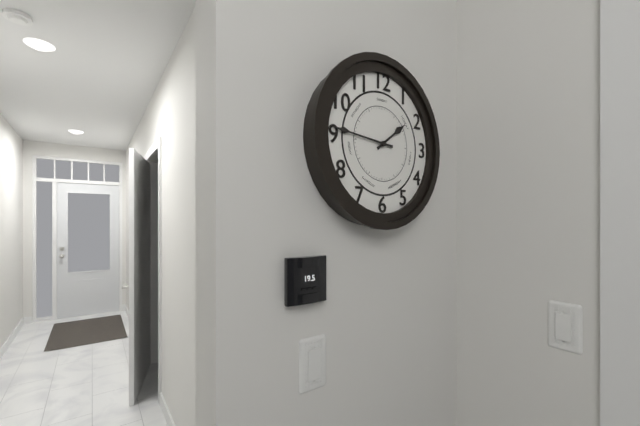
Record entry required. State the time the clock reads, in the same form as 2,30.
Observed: 1,46
